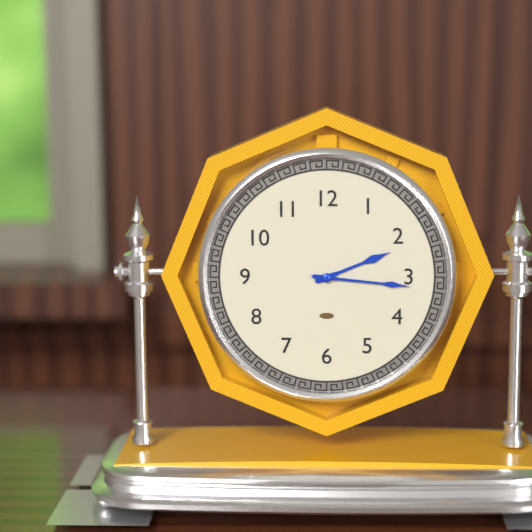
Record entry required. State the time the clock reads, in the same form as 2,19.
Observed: 2,16
